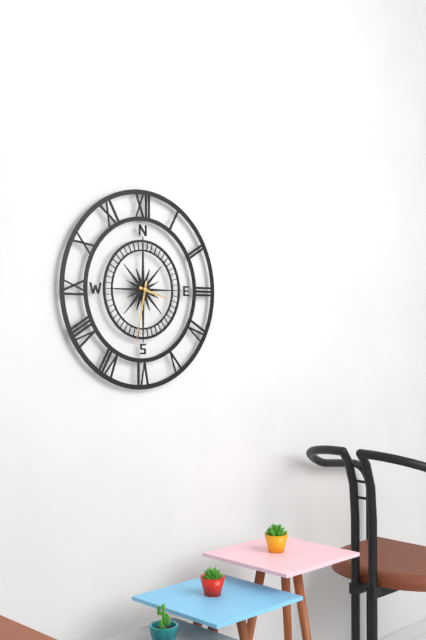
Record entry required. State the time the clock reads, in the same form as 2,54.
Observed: 3,32
